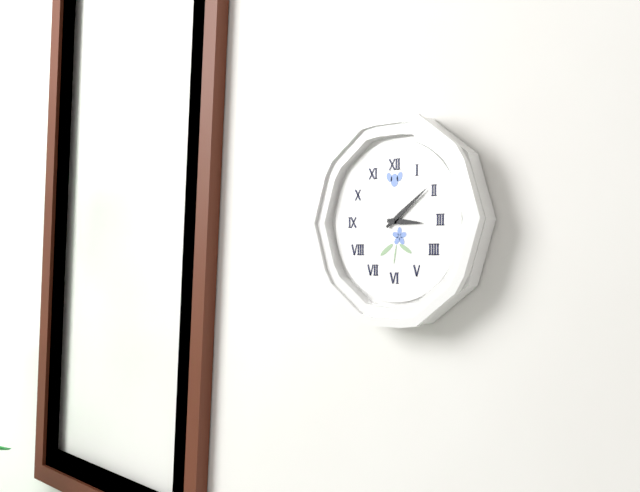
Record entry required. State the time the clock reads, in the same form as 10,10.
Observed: 3,09
